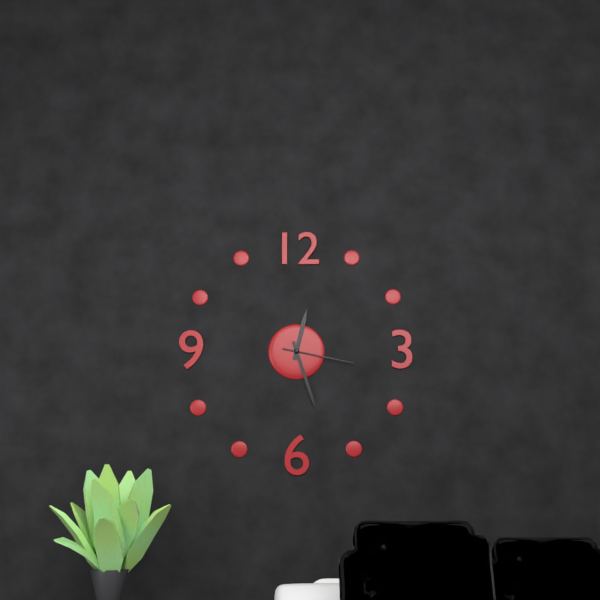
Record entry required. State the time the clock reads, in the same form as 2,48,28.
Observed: 12,27,17
